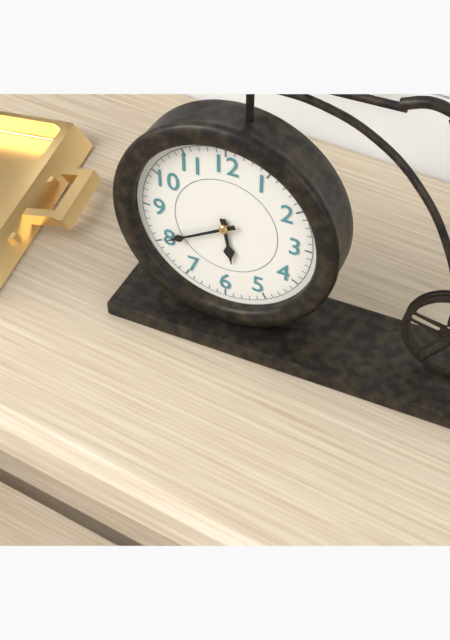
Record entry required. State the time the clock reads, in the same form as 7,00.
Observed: 5,40
